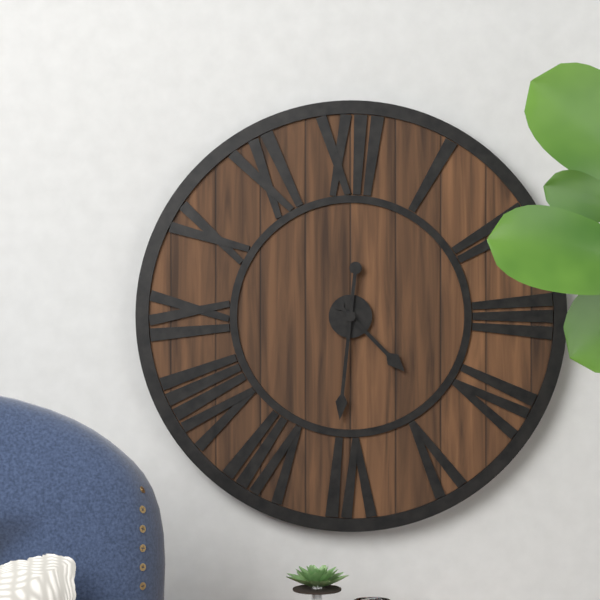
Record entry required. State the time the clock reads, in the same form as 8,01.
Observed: 4,31
